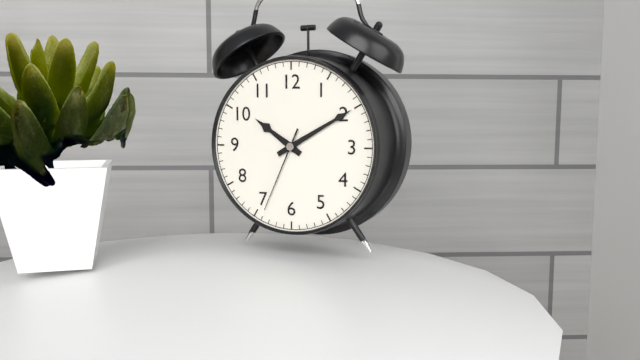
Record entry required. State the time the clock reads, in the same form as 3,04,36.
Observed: 10,10,34
